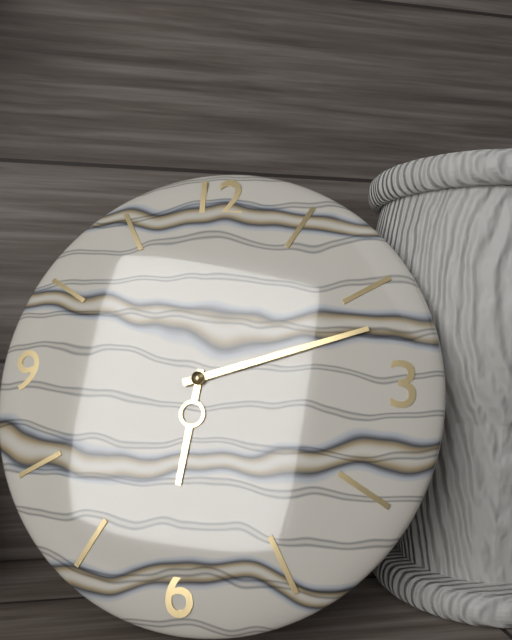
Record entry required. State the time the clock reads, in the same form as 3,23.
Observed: 6,12
